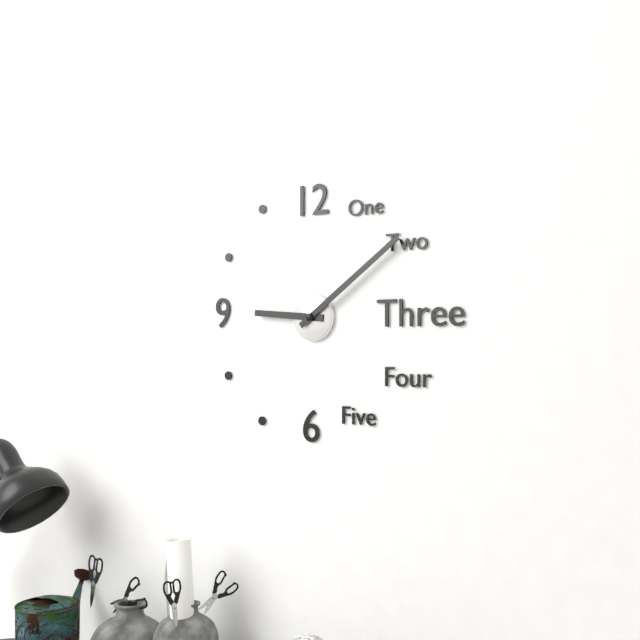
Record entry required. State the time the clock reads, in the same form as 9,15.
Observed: 9,09
